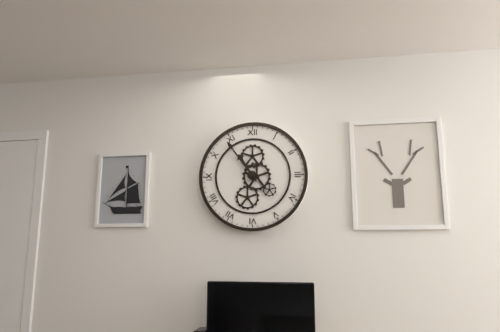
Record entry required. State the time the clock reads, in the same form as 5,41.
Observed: 10,54
